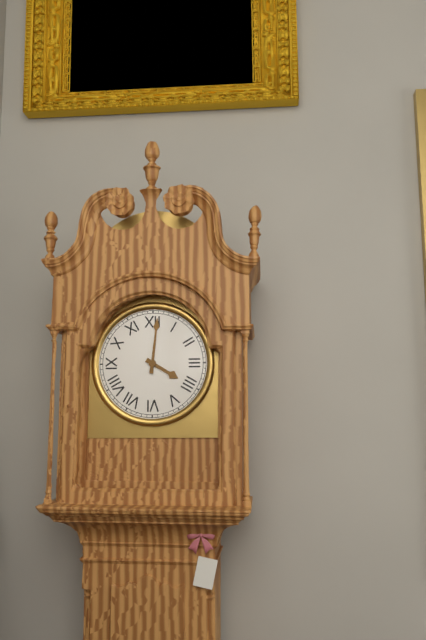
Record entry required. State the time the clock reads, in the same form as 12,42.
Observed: 4,01
